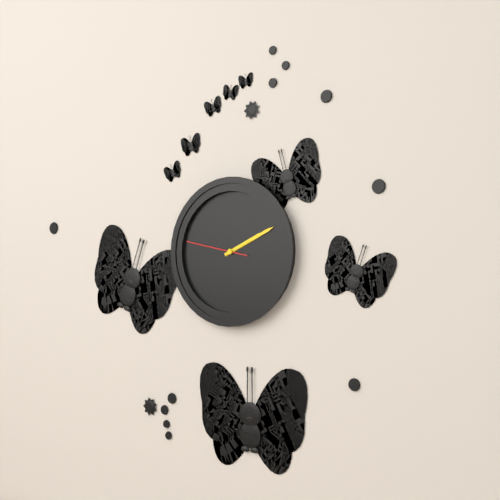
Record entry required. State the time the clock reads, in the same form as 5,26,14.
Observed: 2,11,47
